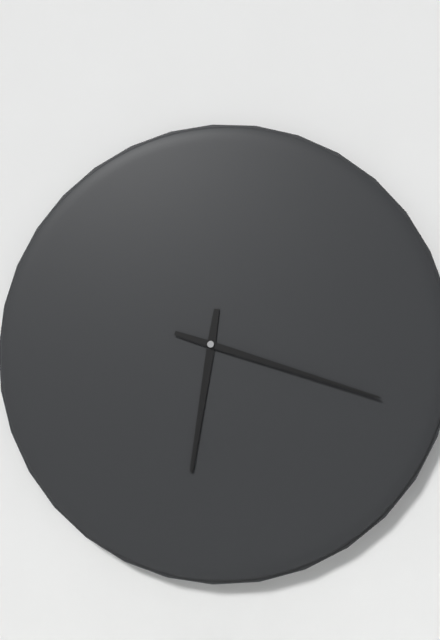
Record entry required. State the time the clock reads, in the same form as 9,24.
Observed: 6,18
